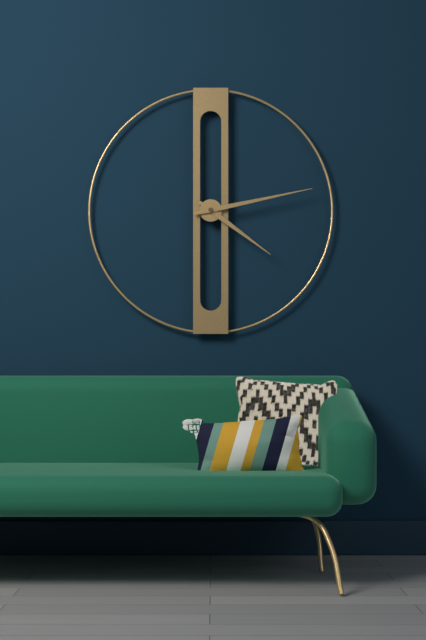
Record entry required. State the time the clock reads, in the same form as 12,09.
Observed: 4,13
